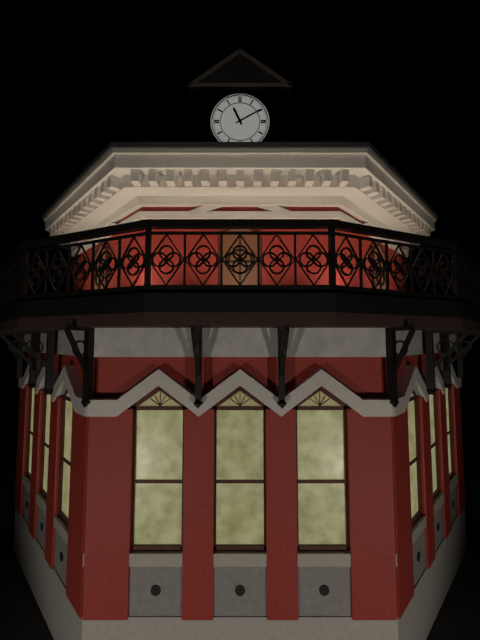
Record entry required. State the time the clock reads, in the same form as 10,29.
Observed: 11,10
